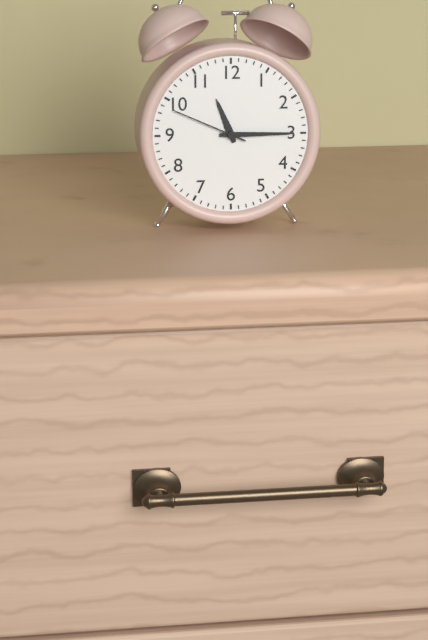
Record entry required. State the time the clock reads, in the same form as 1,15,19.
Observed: 11,15,49
